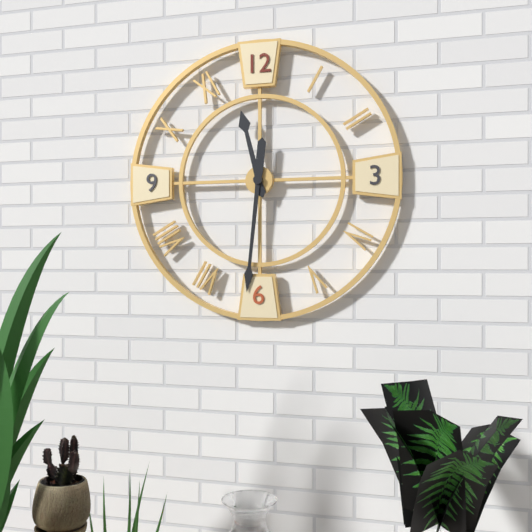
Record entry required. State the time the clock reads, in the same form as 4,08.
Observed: 11,31
